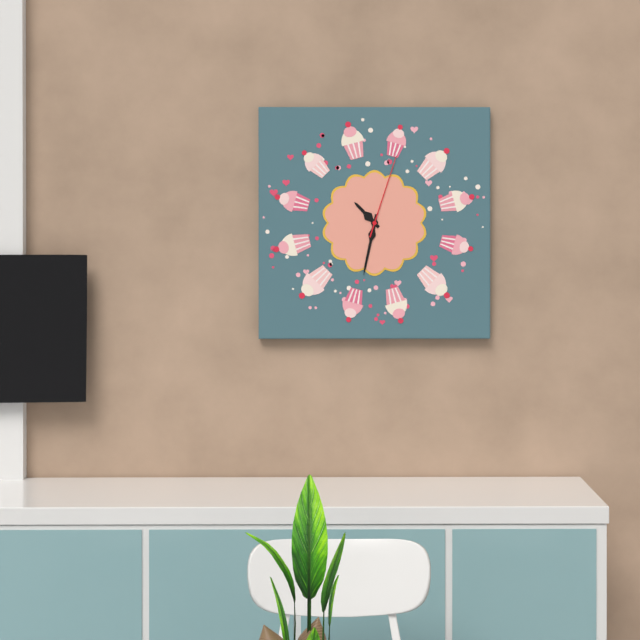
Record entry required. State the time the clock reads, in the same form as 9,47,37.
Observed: 10,32,03
